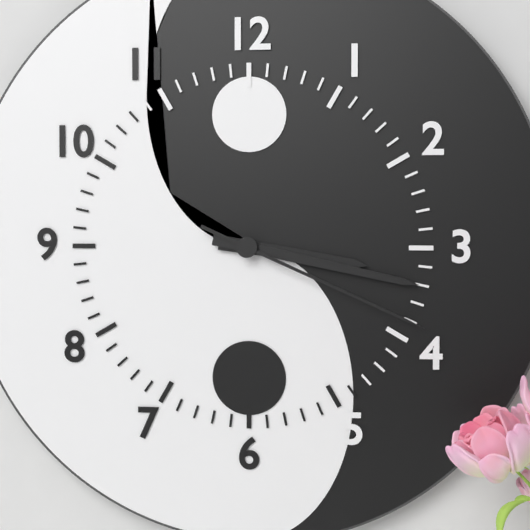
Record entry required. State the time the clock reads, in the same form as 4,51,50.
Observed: 3,17,19
